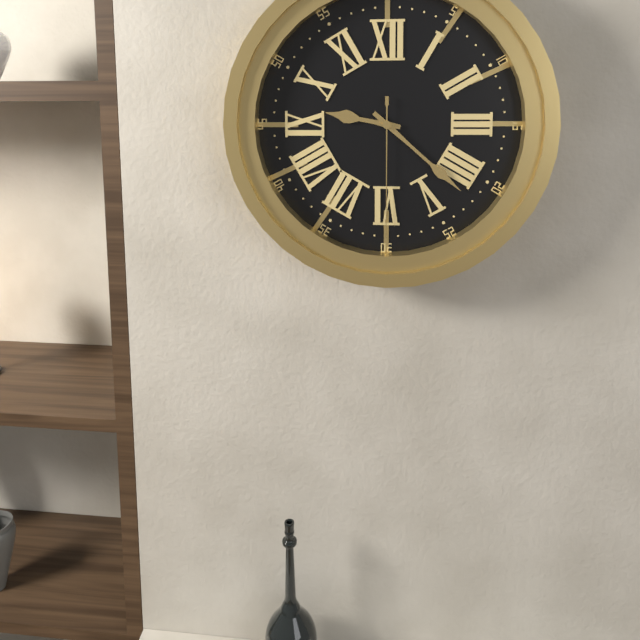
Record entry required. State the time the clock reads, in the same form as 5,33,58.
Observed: 9,22,30
